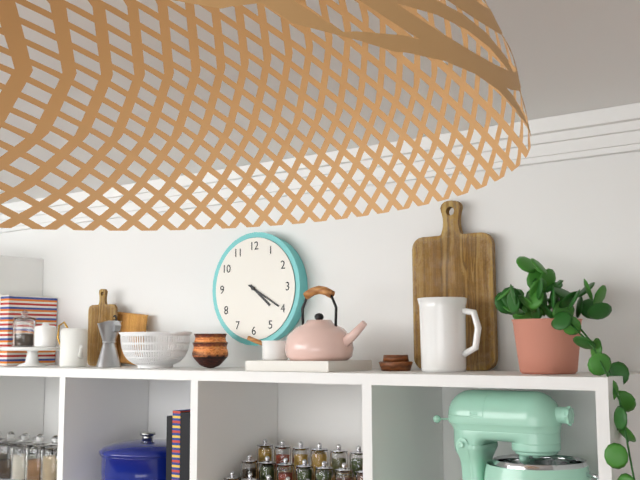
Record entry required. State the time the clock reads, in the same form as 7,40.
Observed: 4,20
